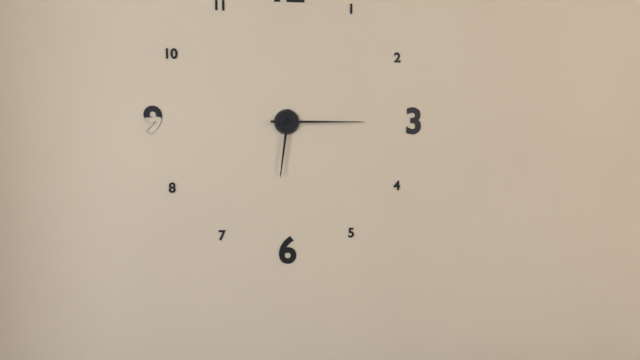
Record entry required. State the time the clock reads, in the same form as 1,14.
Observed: 6,15
